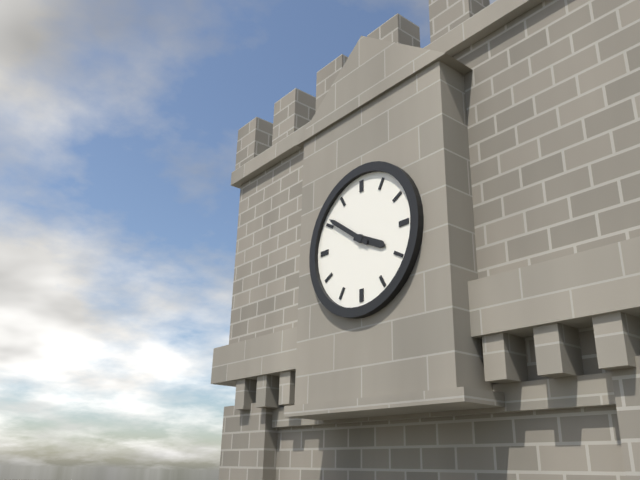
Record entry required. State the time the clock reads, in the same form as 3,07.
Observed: 3,51
